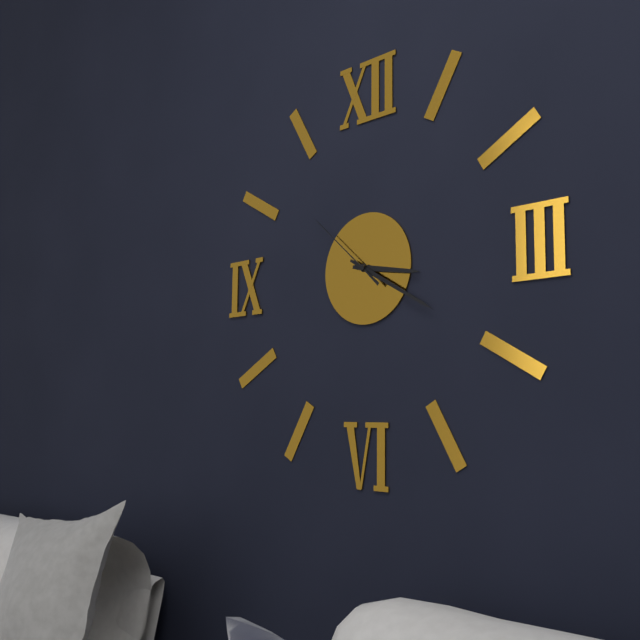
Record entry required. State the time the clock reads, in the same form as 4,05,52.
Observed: 3,20,52
